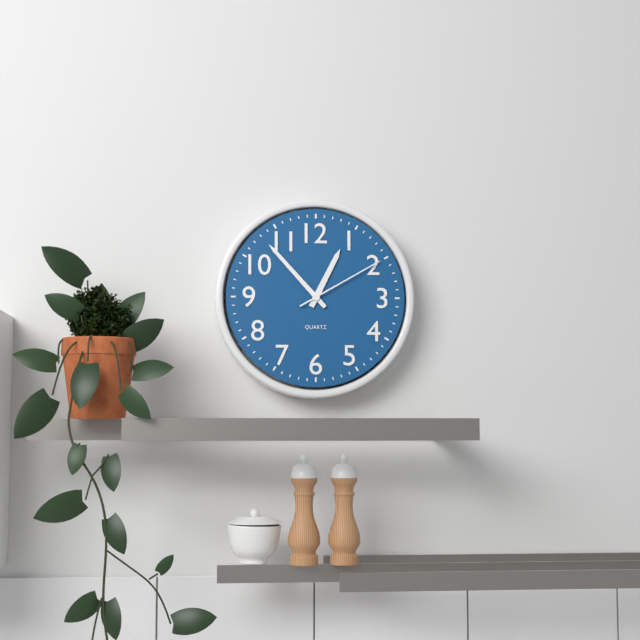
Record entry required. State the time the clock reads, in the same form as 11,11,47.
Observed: 12,53,10
